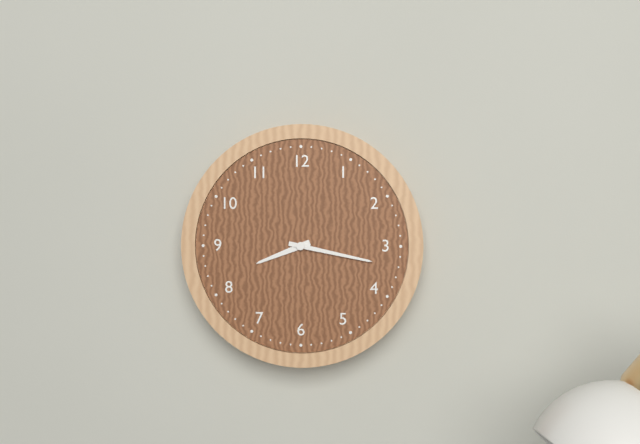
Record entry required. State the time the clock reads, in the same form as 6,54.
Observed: 8,17
